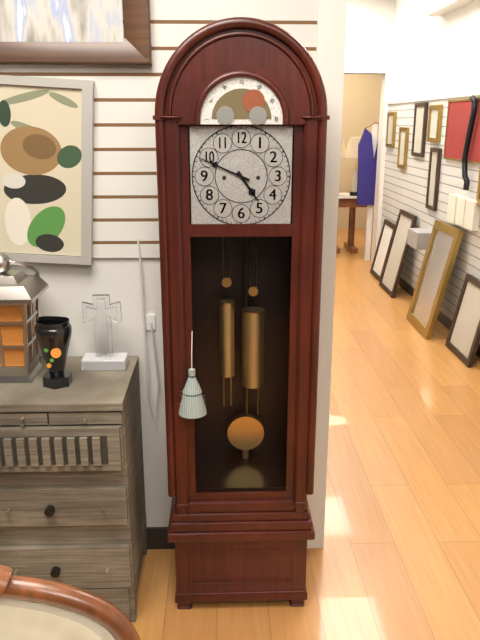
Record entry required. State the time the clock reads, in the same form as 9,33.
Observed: 4,49
